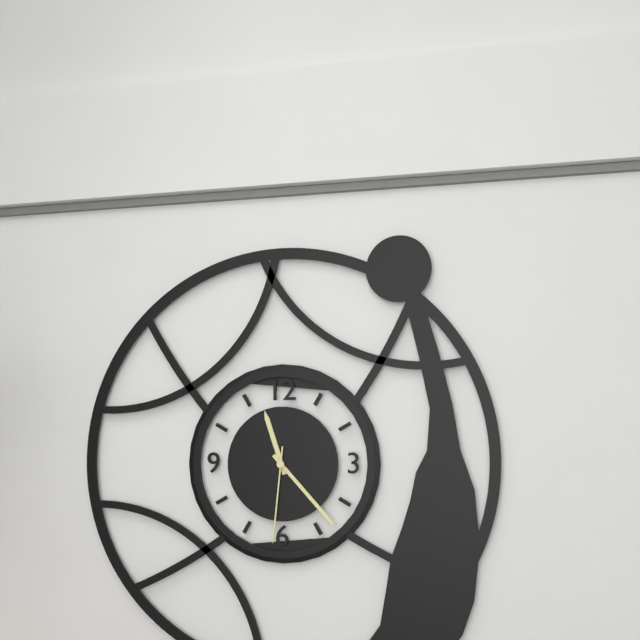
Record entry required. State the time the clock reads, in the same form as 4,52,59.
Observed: 11,23,31
